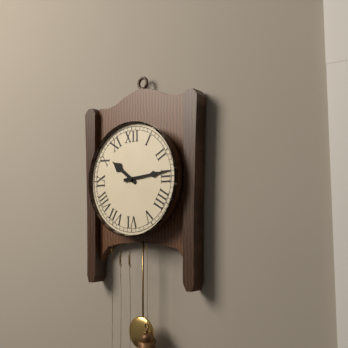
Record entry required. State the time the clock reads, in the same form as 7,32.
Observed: 10,14
